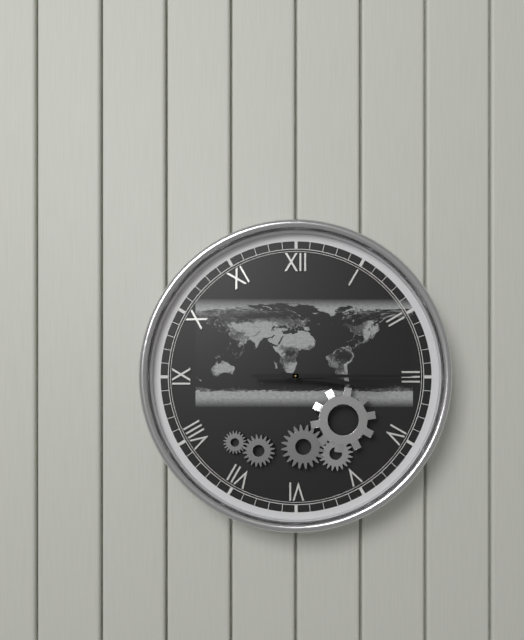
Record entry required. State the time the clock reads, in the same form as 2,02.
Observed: 3,15
